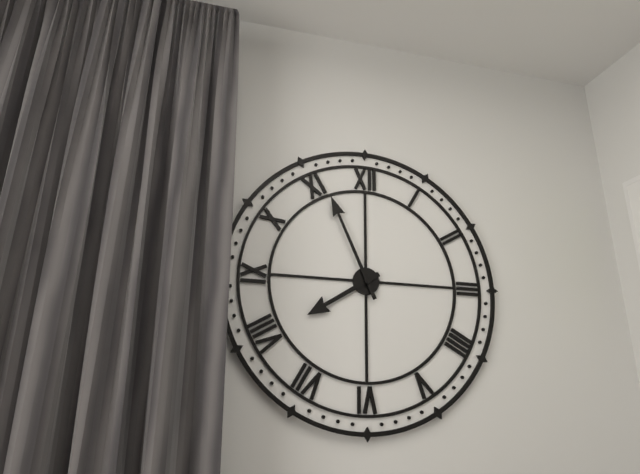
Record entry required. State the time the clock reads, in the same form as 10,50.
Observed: 7,56
